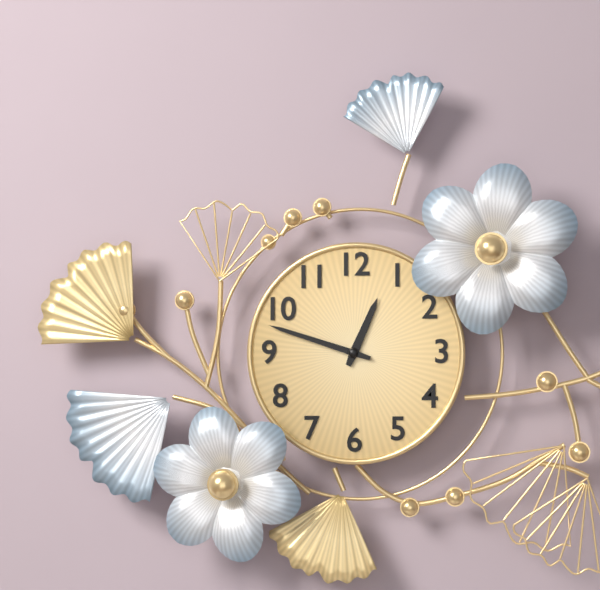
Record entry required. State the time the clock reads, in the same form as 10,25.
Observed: 12,48
